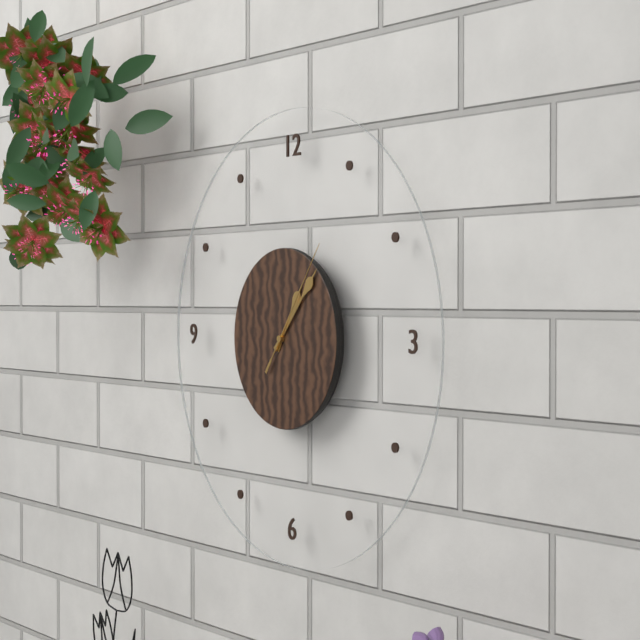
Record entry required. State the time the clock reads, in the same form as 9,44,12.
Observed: 1,07,06
